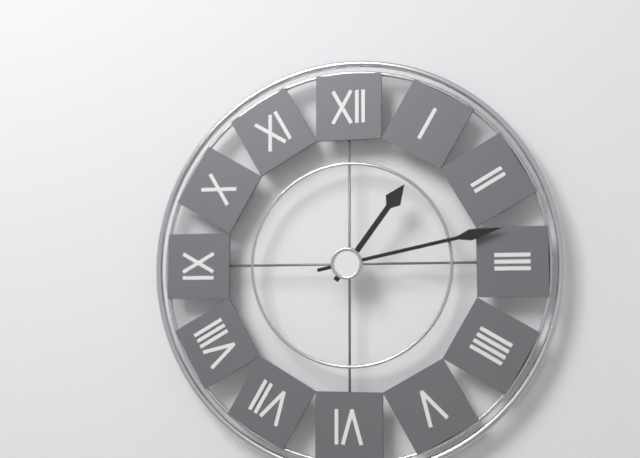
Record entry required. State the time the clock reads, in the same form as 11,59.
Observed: 1,13
